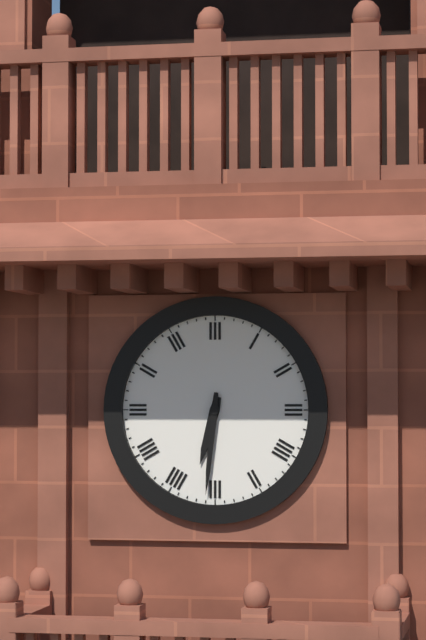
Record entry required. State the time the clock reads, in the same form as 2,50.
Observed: 6,31
